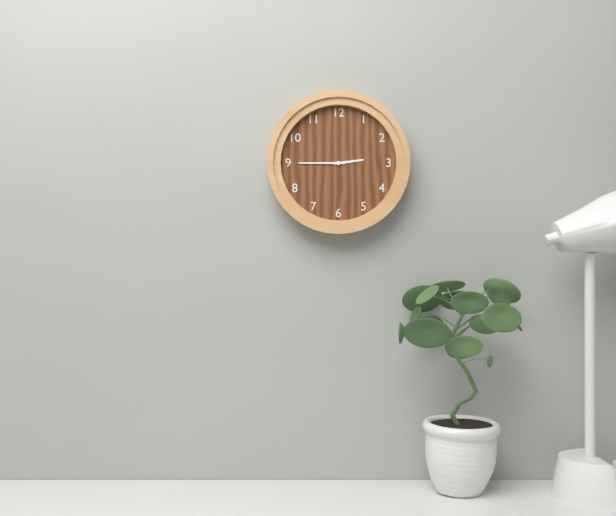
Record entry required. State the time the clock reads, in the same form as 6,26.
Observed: 2,45
